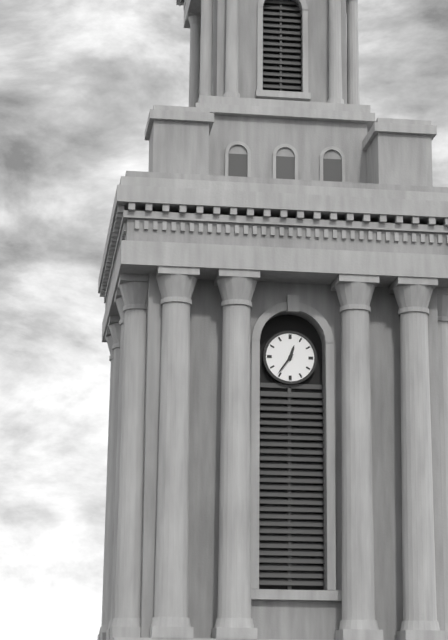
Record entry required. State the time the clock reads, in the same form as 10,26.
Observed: 12,36
